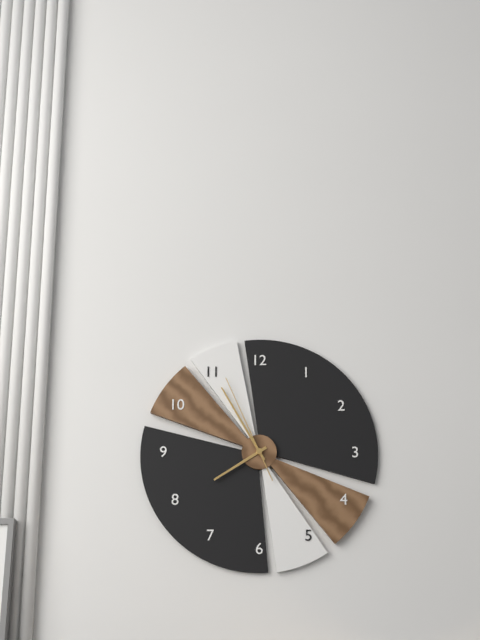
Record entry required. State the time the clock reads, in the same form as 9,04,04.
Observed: 7,55,56
